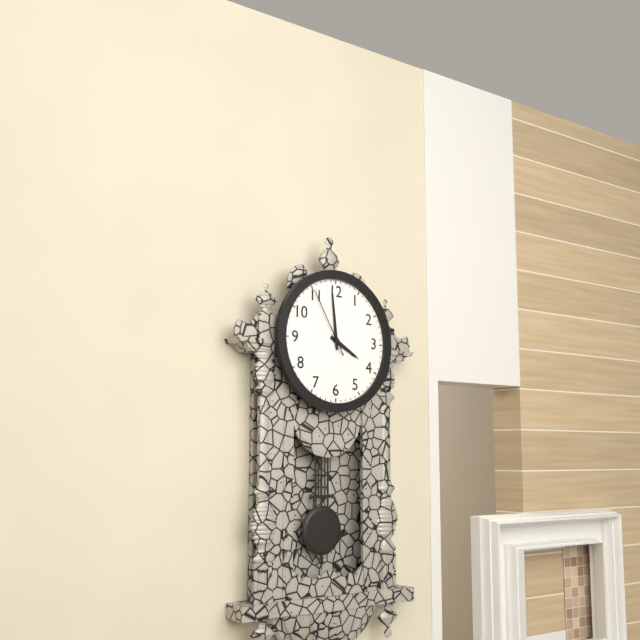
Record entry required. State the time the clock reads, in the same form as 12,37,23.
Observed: 3,59,55
